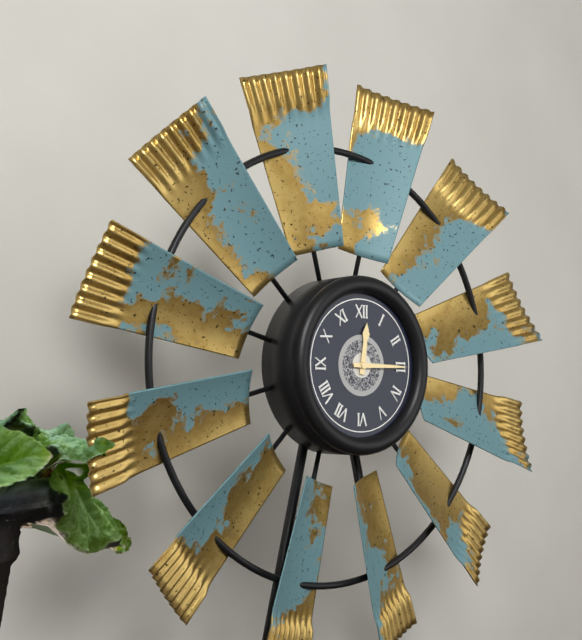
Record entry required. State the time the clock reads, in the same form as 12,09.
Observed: 12,15
